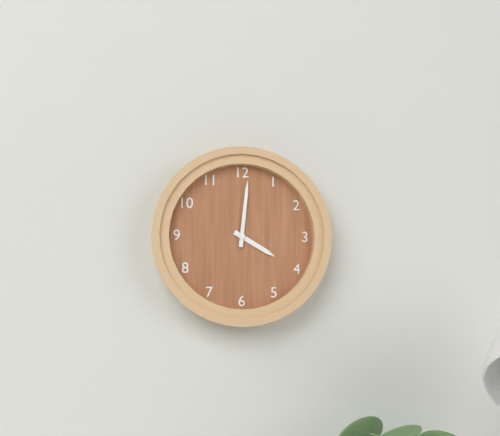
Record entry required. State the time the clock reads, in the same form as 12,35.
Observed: 4,01
